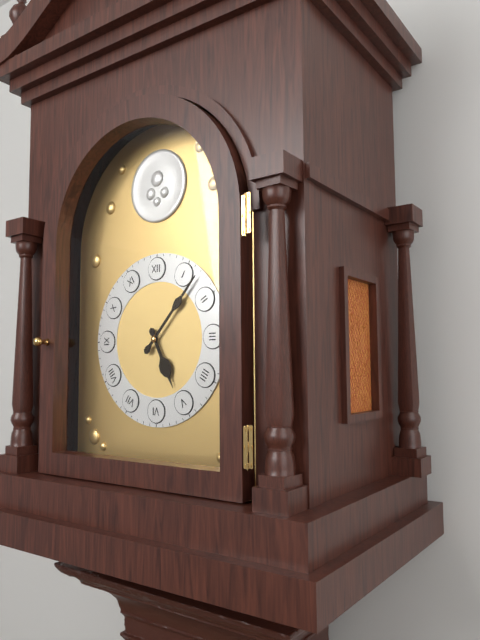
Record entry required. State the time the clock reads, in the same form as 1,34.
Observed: 5,07
